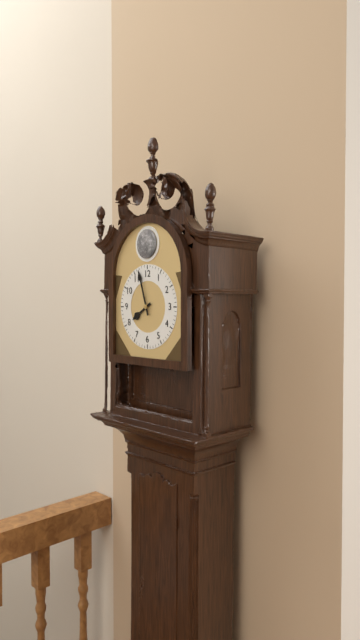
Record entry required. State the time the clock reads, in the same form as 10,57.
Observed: 7,57
